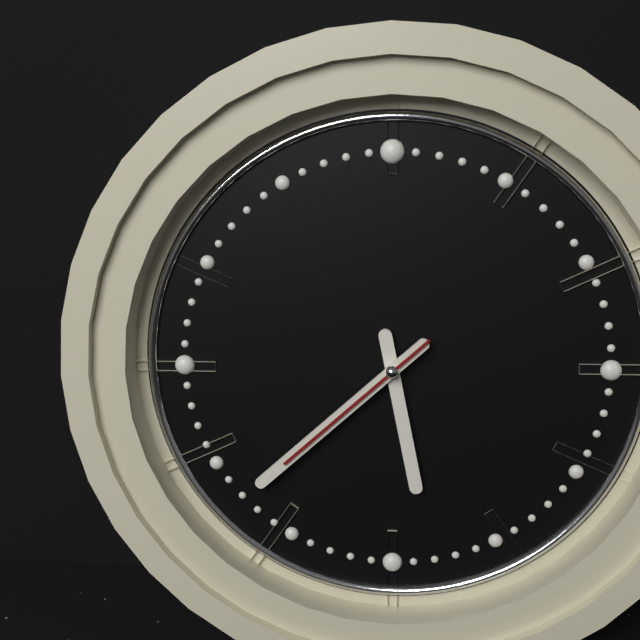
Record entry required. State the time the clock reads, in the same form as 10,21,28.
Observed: 5,38,38
